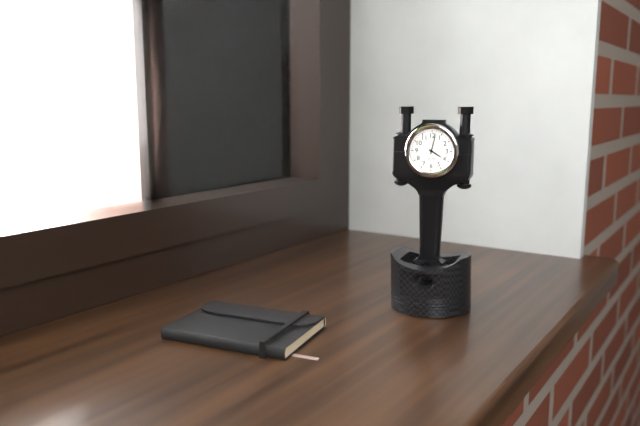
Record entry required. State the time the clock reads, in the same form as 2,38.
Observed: 4,02
